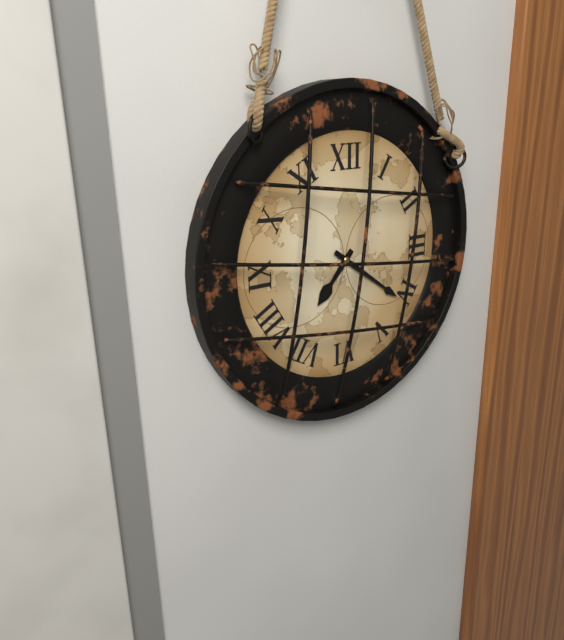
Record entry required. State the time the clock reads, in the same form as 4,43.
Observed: 7,21
